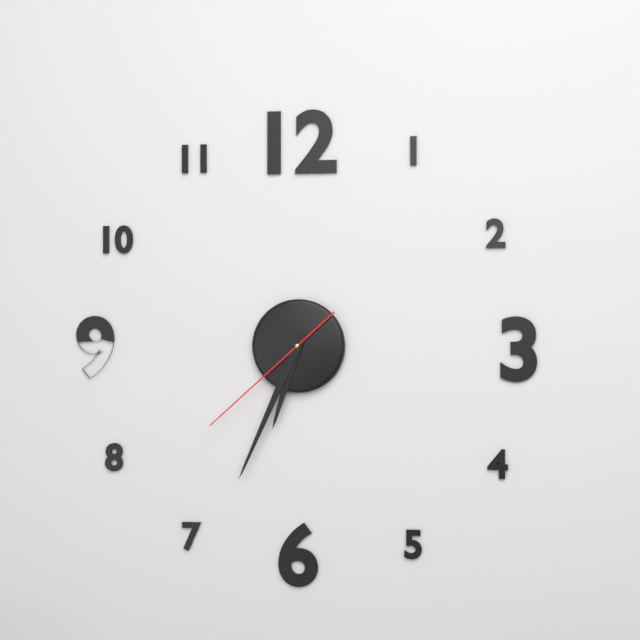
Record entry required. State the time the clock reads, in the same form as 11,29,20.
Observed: 6,34,38
